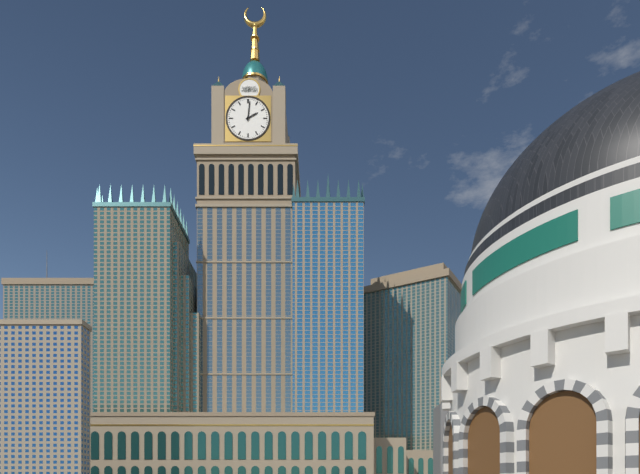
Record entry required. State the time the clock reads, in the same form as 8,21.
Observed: 2,01
